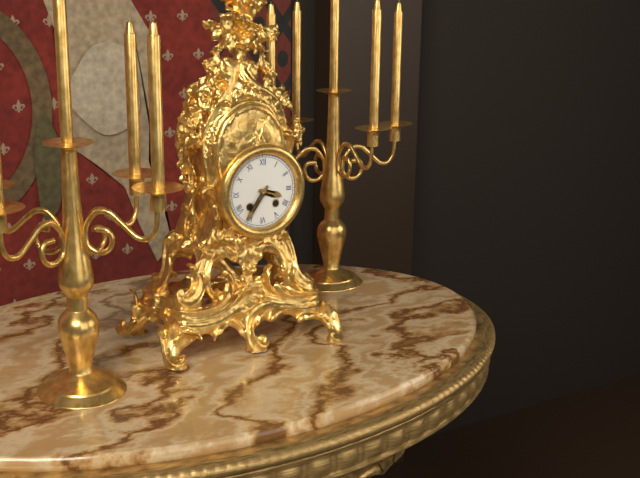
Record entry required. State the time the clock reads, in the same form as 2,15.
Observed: 3,36
